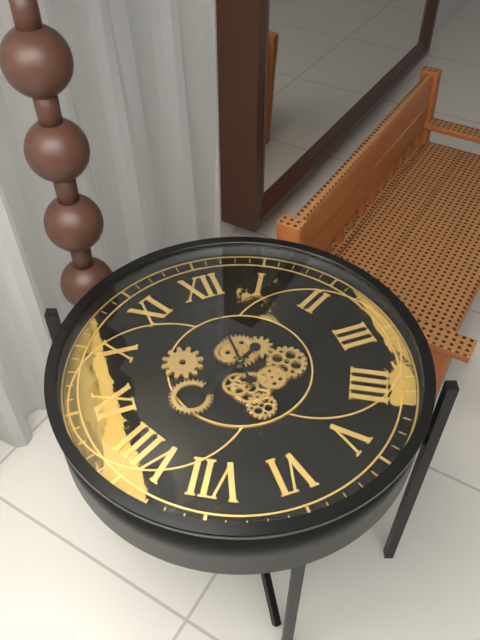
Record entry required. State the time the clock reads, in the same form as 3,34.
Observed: 8,00
